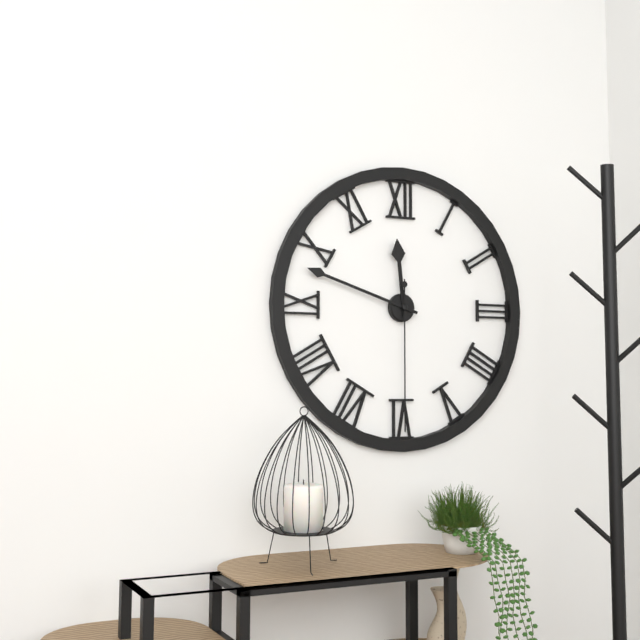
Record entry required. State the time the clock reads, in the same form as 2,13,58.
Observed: 11,48,30
